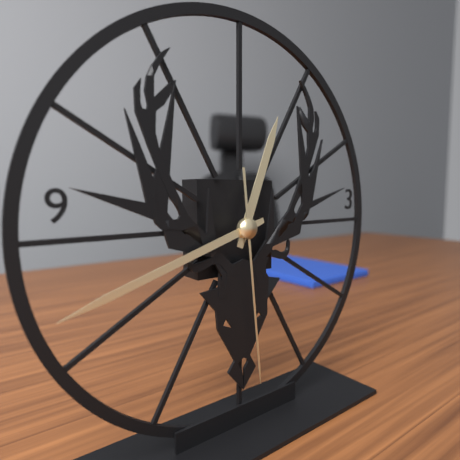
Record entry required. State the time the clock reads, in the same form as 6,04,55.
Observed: 12,42,29
